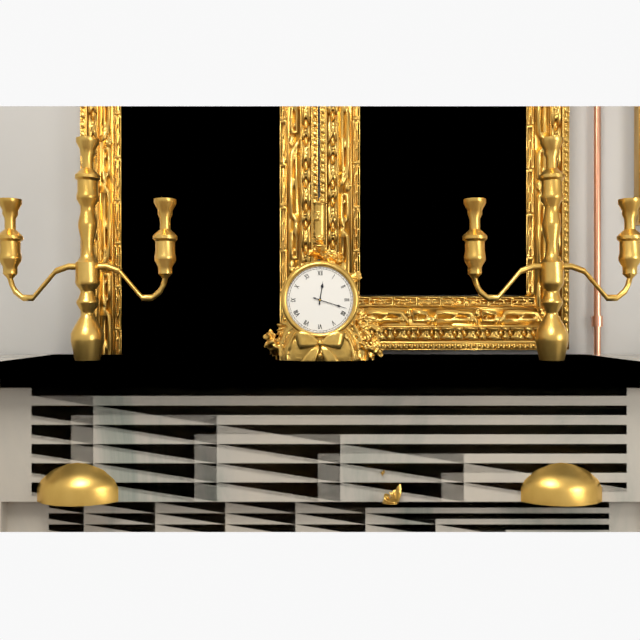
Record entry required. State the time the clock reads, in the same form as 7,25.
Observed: 12,18
